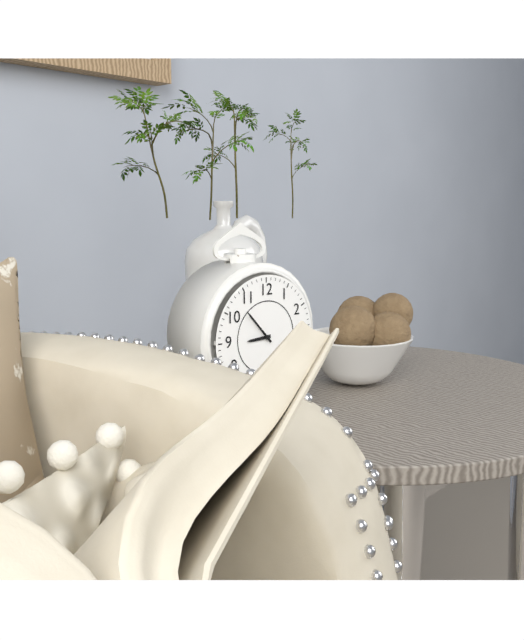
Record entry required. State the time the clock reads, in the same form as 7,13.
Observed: 8,53
